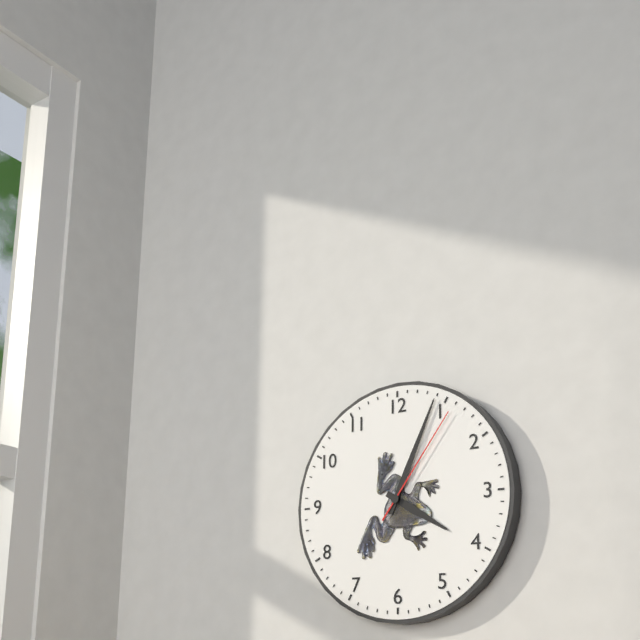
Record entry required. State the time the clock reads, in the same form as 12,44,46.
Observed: 4,04,06
